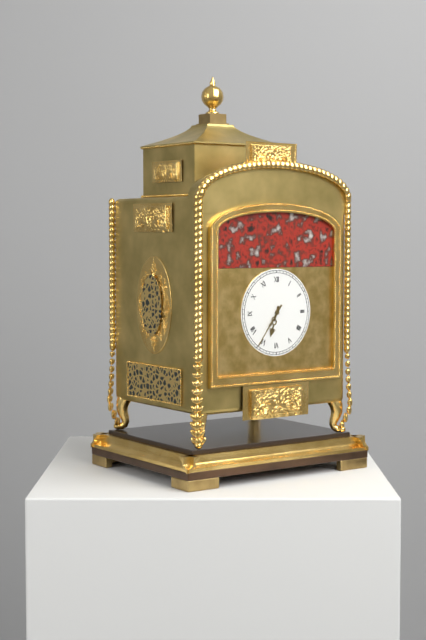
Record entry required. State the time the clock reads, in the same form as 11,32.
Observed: 6,36
